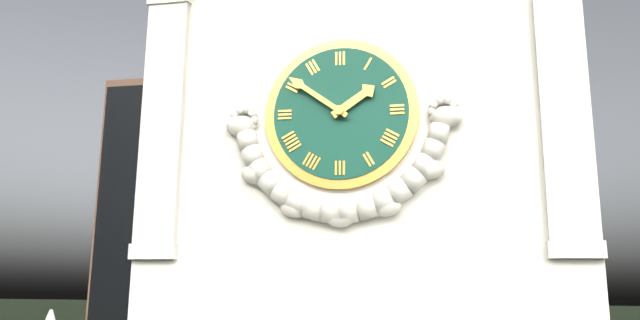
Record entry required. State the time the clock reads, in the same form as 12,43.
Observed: 1,51
